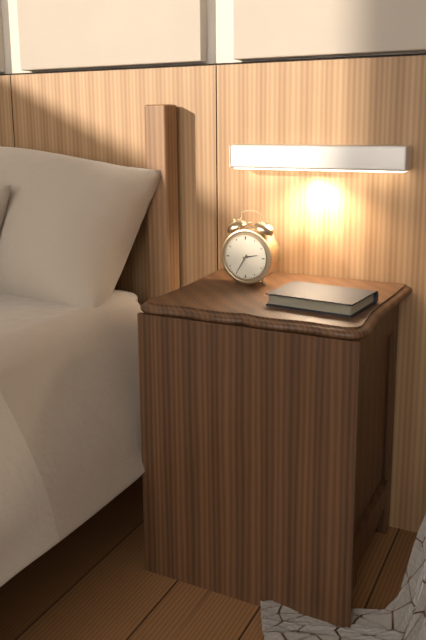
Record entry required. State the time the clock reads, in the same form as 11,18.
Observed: 2,35
